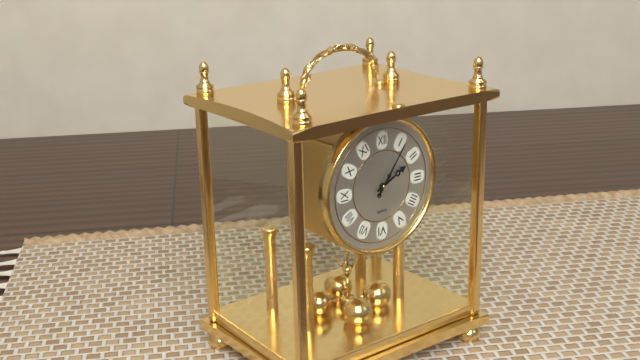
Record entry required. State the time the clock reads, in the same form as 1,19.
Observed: 2,06
